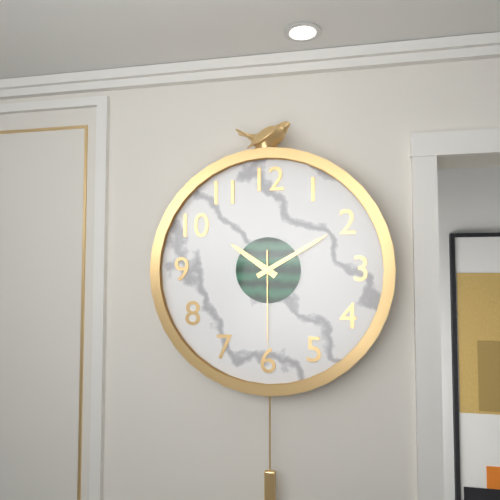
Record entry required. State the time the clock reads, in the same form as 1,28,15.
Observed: 10,10,30
